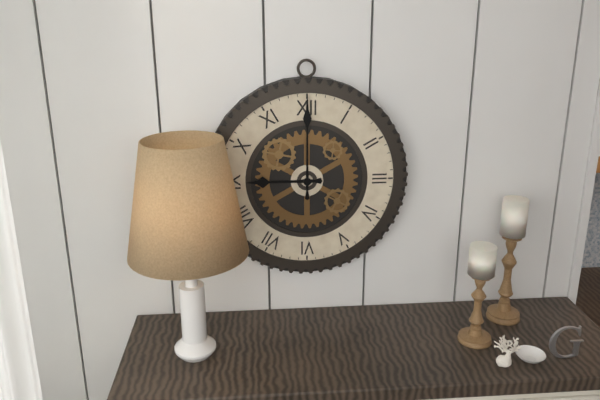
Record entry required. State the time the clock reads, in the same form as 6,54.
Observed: 9,00
